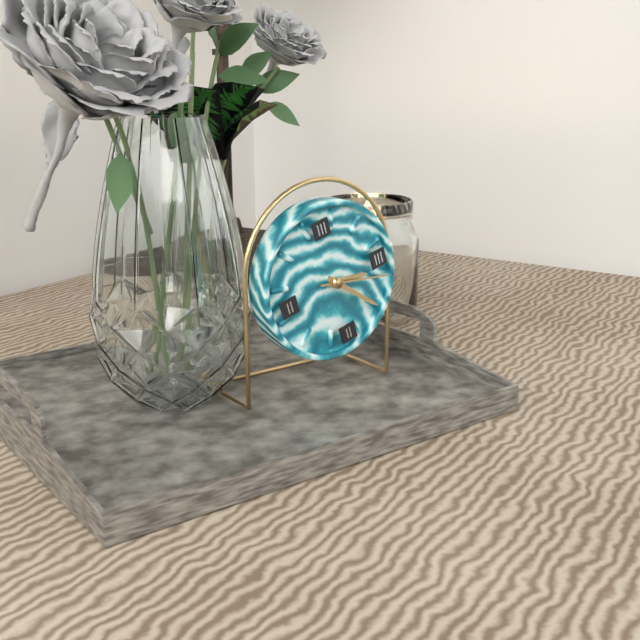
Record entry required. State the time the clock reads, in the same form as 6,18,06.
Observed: 3,23,18
